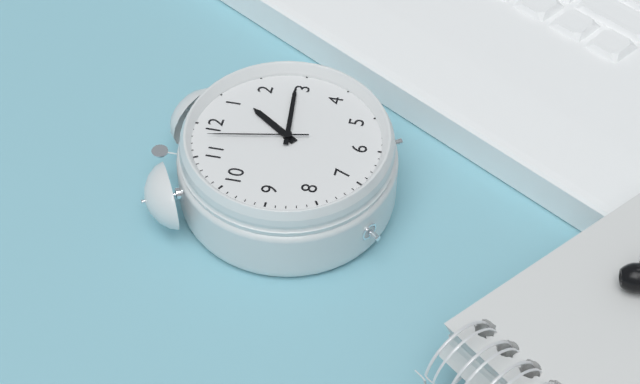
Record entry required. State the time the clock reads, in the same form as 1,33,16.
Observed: 1,14,58
